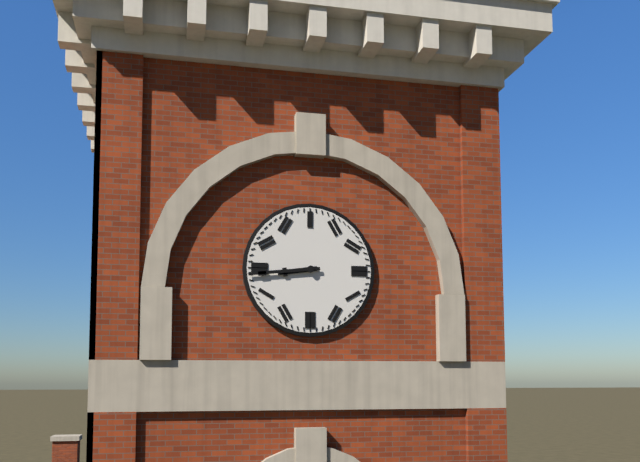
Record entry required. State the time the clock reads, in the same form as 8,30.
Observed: 8,44
